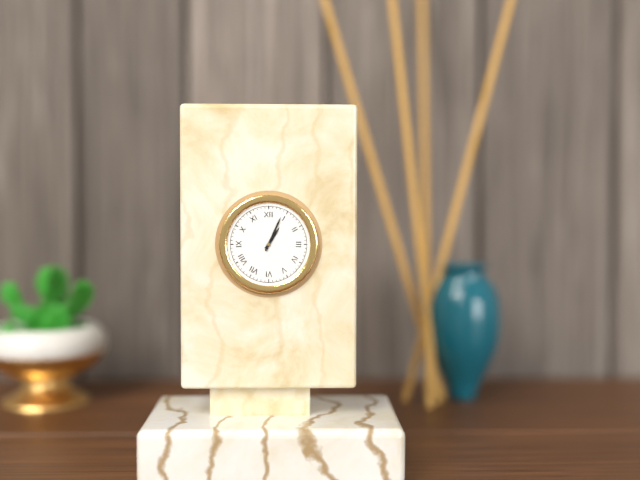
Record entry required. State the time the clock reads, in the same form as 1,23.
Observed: 1,04
